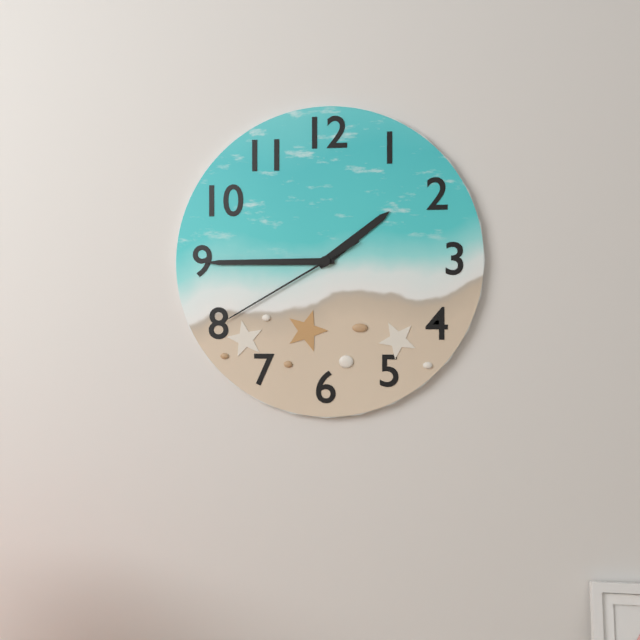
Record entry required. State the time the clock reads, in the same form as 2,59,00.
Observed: 1,45,40
